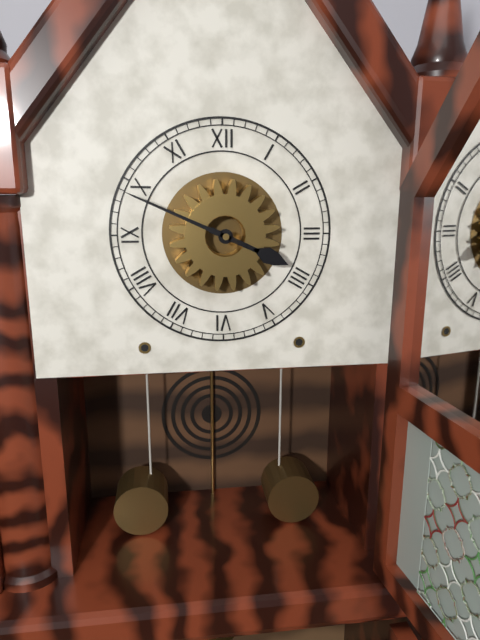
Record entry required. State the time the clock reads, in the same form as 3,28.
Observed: 3,49
